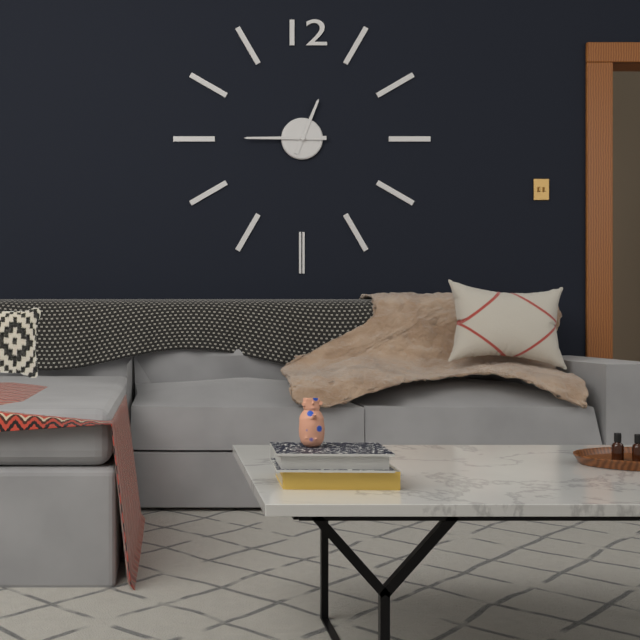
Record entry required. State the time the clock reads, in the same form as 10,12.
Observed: 12,45
